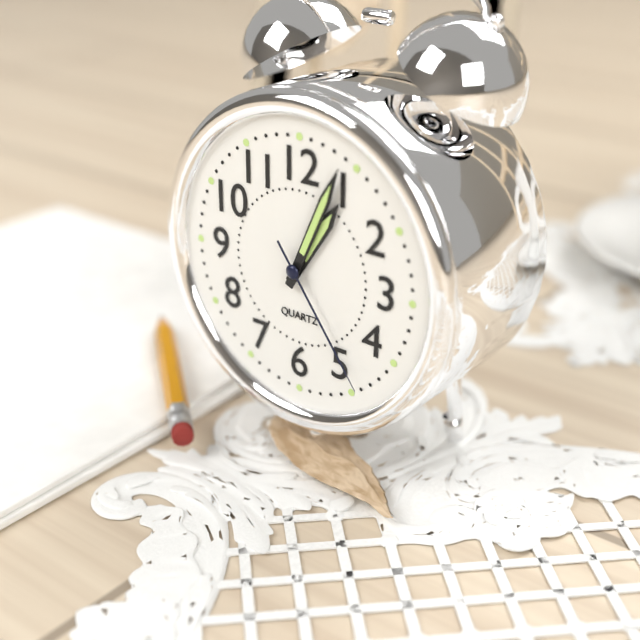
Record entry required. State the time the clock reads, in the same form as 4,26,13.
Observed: 1,04,24
